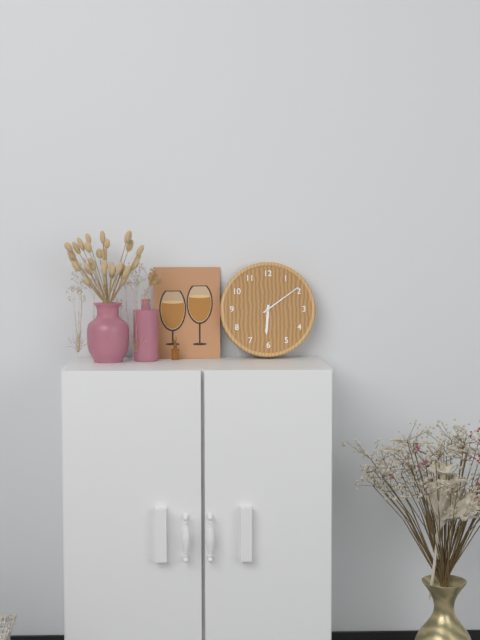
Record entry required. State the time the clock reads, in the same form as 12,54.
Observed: 6,09
